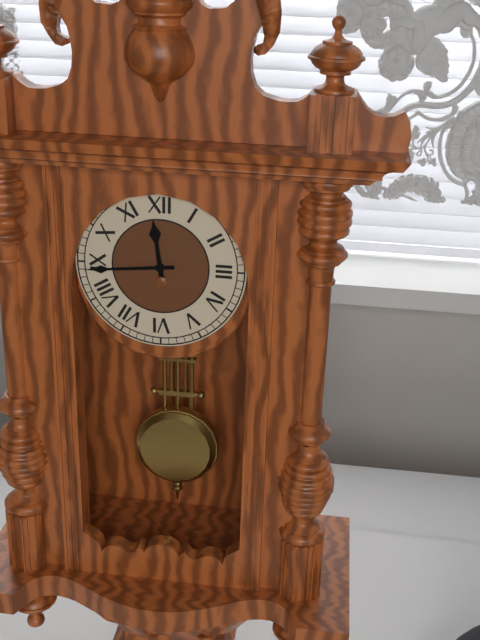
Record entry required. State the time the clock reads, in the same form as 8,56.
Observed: 11,44
